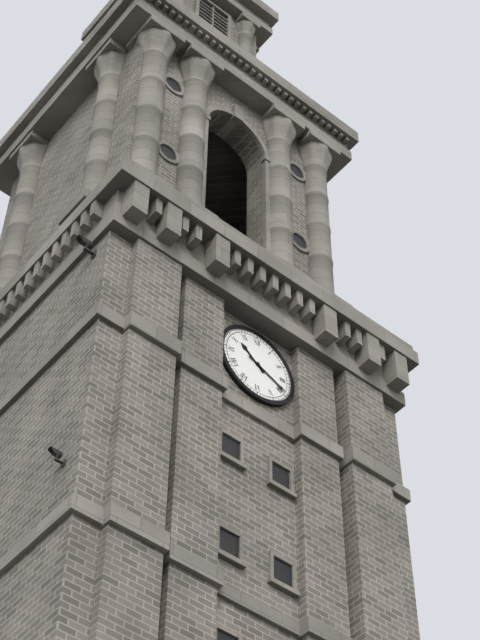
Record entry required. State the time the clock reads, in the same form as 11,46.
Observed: 10,19
